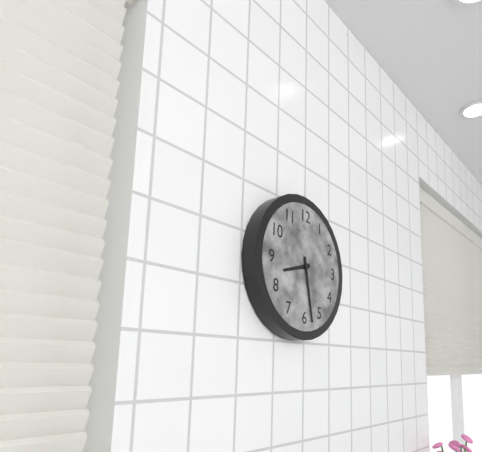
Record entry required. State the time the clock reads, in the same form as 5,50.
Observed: 8,28
